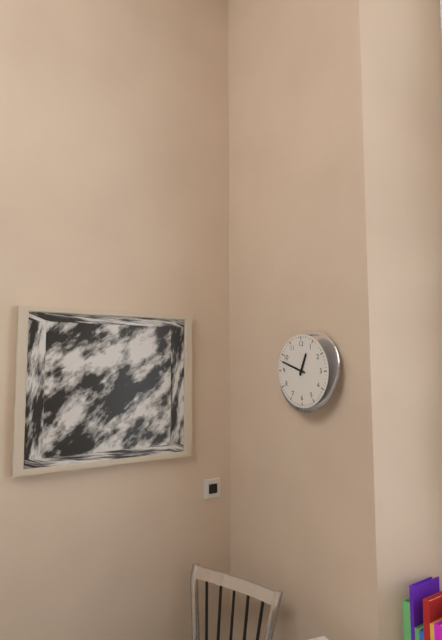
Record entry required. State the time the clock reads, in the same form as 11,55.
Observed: 12,48
